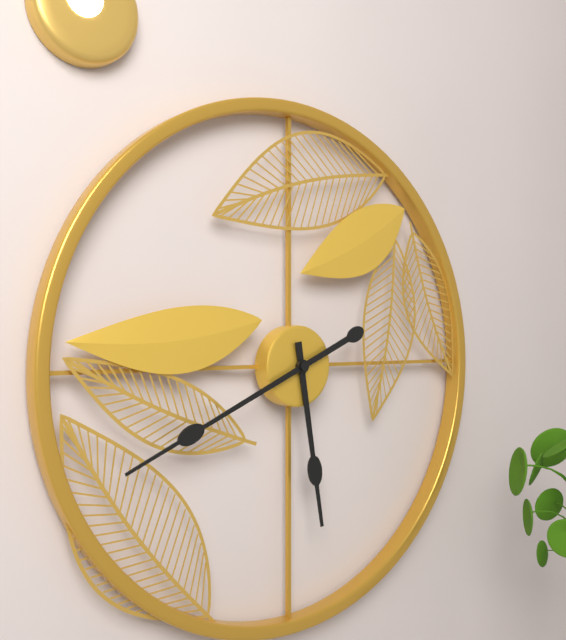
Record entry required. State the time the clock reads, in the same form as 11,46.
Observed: 5,41
